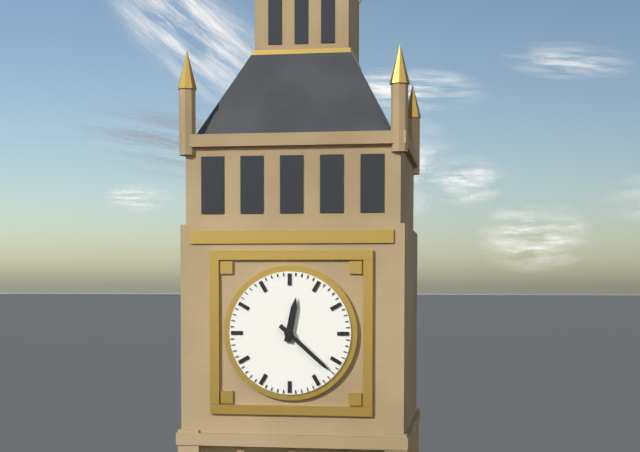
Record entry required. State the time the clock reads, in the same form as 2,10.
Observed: 12,22
